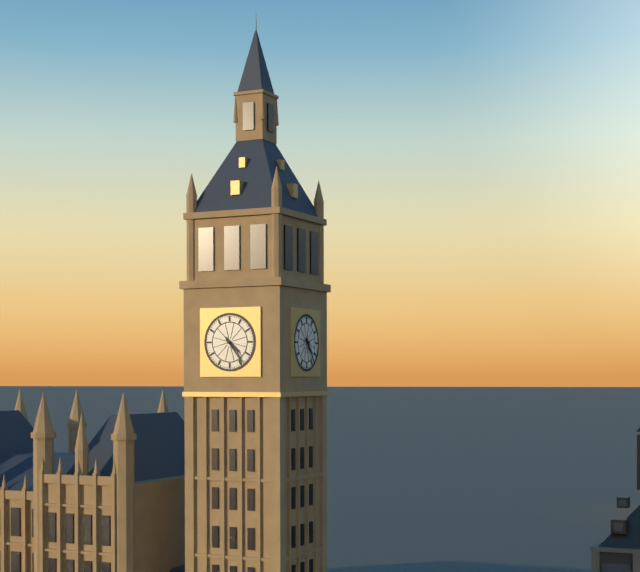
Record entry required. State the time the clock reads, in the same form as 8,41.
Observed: 4,24
